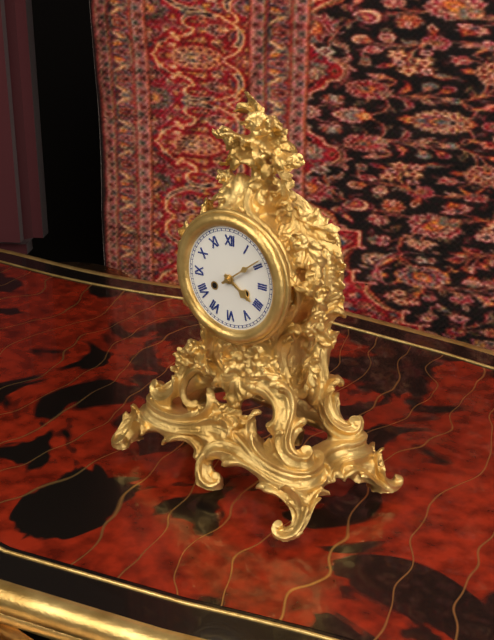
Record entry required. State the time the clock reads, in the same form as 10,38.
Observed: 4,09
